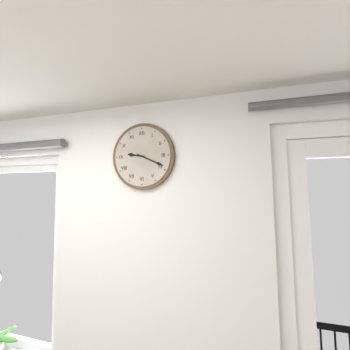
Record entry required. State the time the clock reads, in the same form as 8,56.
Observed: 9,19
